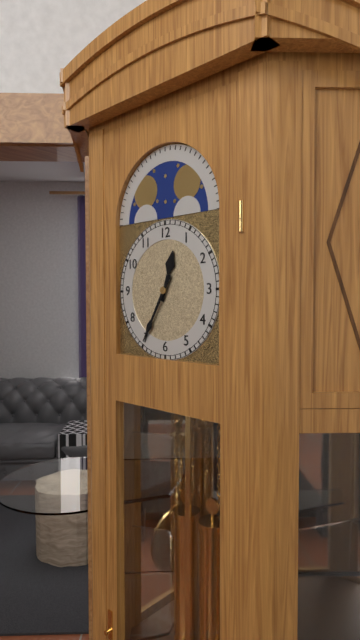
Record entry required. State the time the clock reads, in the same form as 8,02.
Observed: 12,35
